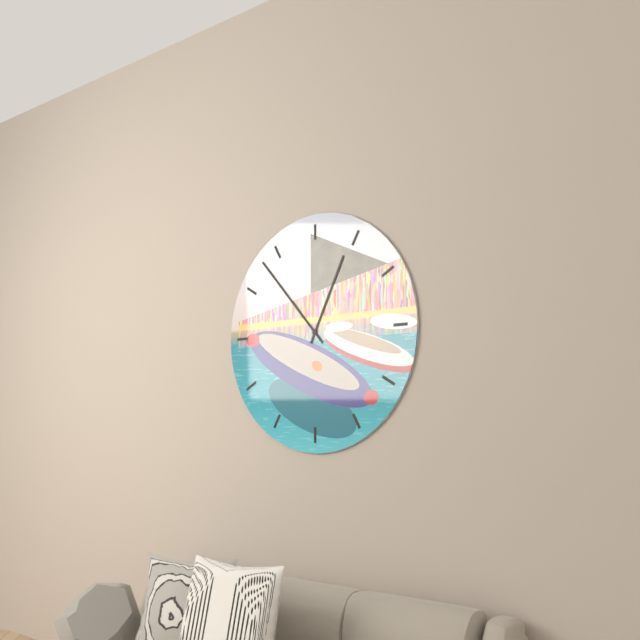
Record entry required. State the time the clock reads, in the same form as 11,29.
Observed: 12,53
